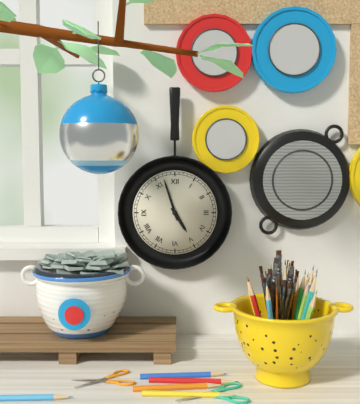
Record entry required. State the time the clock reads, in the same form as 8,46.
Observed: 4,57
